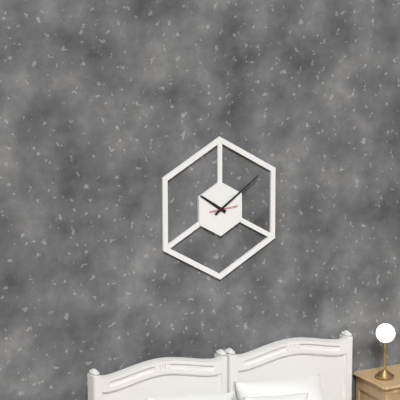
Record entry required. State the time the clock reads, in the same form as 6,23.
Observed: 10,09
